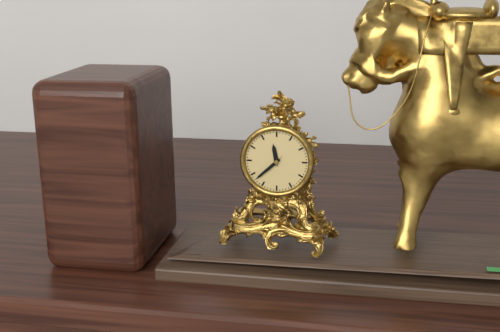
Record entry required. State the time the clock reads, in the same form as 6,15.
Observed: 11,38
